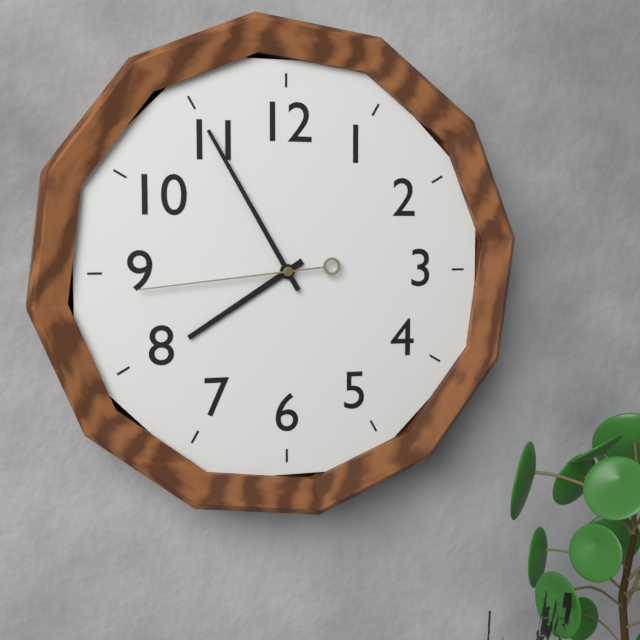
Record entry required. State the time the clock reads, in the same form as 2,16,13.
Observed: 7,55,44
